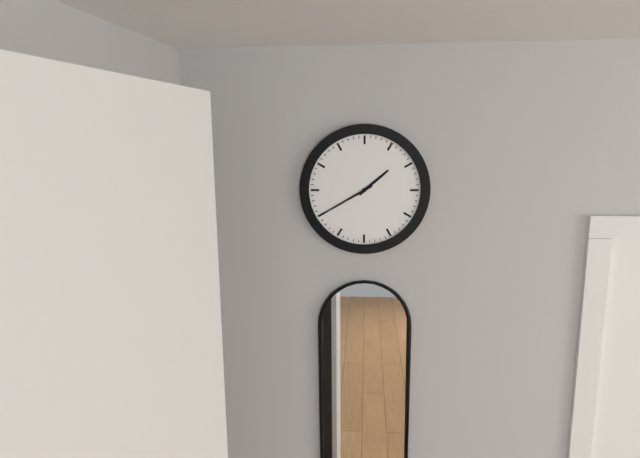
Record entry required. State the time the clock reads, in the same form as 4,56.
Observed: 1,40
